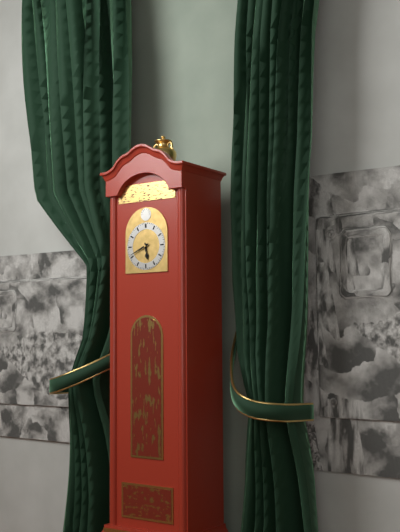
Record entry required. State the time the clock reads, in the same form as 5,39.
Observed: 5,41
